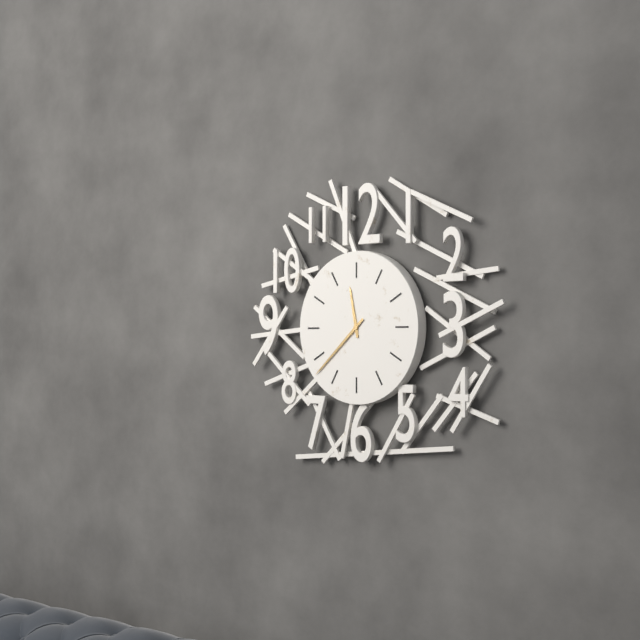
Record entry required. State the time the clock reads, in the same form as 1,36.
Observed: 11,38
